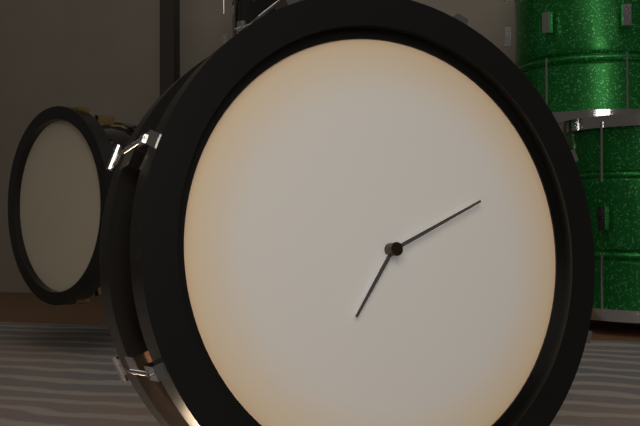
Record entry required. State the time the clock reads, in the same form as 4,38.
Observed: 7,11
